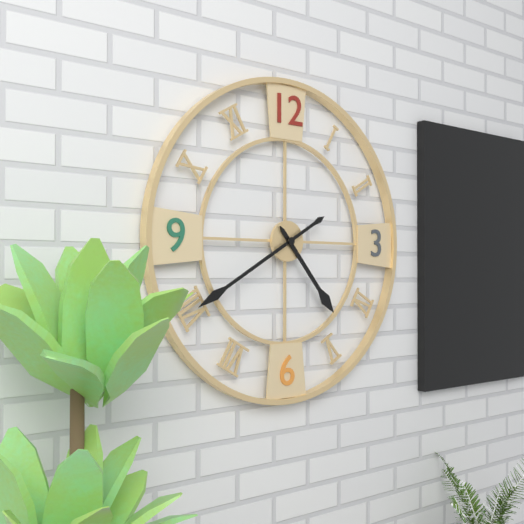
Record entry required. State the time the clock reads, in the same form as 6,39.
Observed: 4,40
